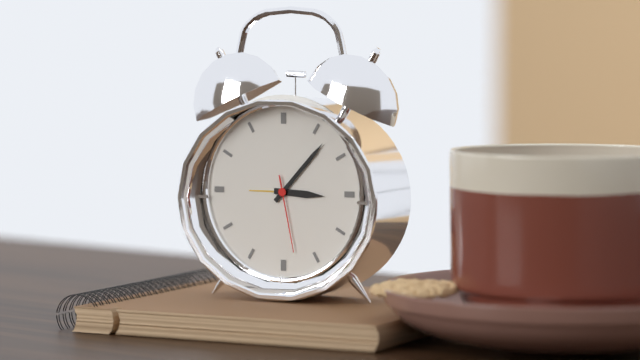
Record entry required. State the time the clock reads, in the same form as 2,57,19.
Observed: 3,07,28
